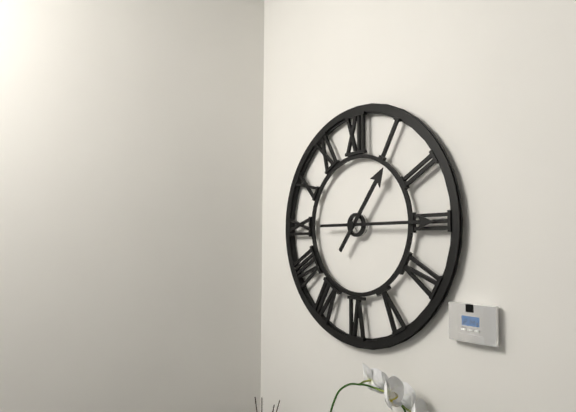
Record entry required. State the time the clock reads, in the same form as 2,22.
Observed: 1,15
